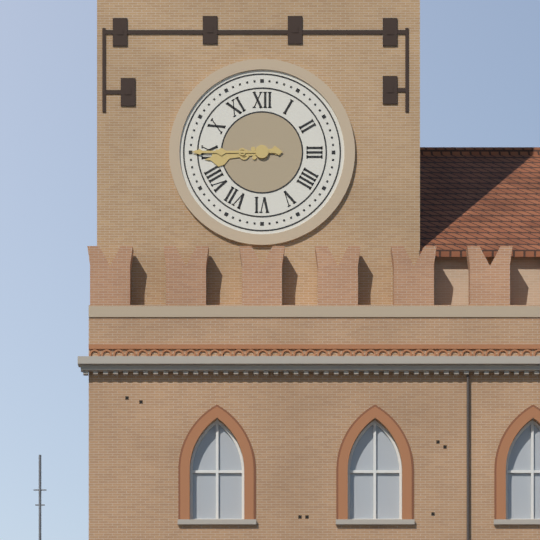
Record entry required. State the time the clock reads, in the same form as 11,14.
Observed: 8,45
